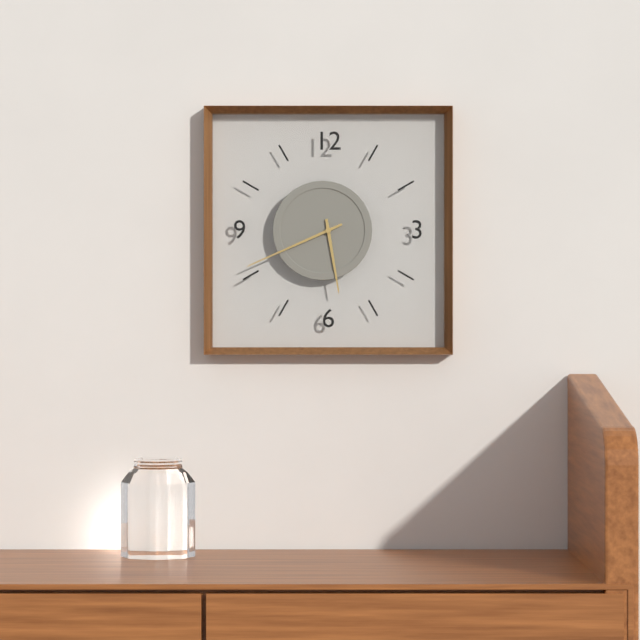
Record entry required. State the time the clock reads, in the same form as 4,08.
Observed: 5,41
